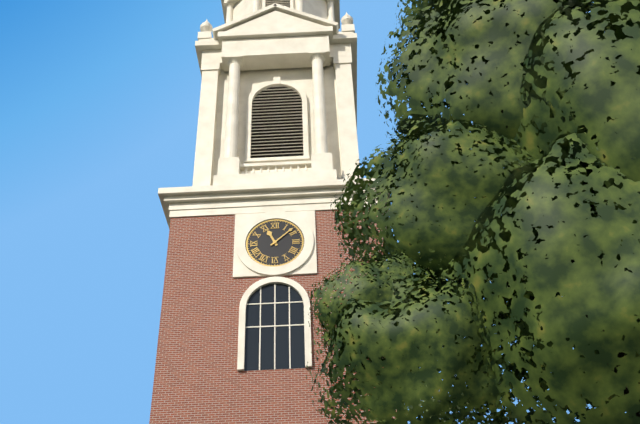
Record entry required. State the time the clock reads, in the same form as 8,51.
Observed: 11,08
